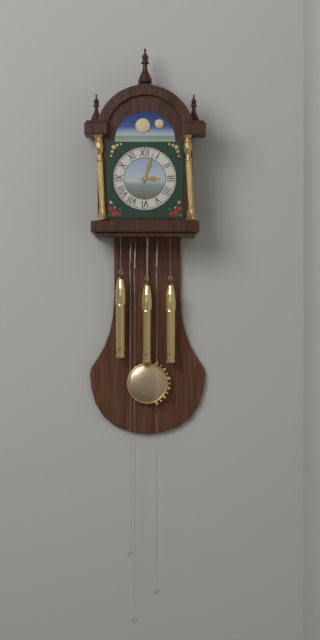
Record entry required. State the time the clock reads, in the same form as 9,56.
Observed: 3,03
